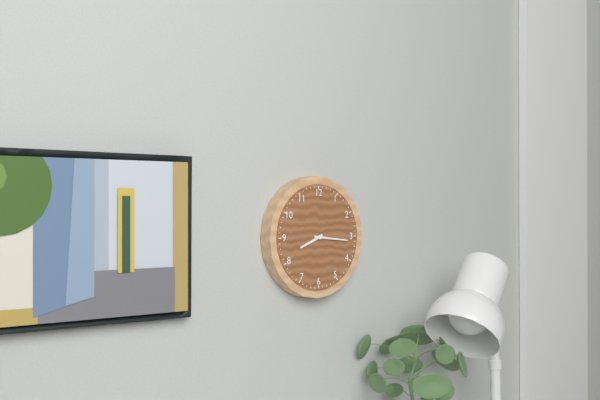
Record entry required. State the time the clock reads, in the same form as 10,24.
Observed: 8,16
